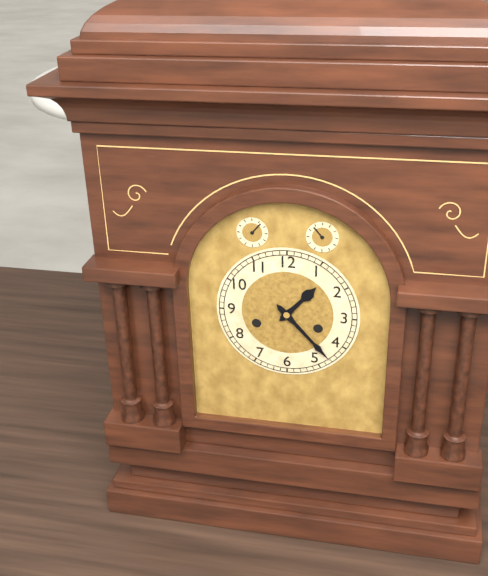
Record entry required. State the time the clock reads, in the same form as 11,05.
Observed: 1,23
